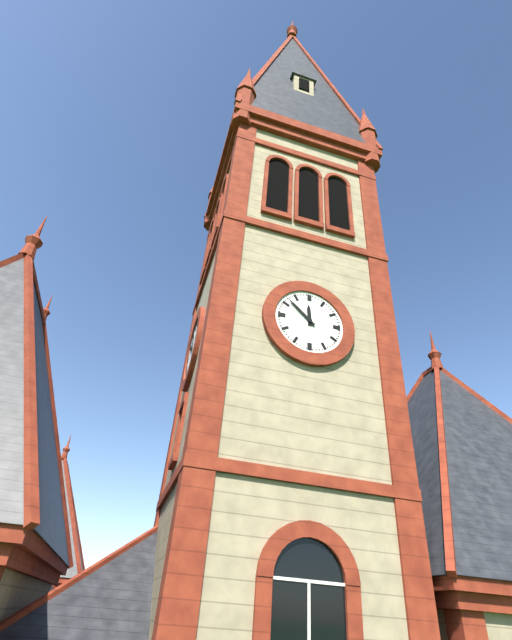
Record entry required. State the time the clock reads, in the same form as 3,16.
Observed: 11,52
